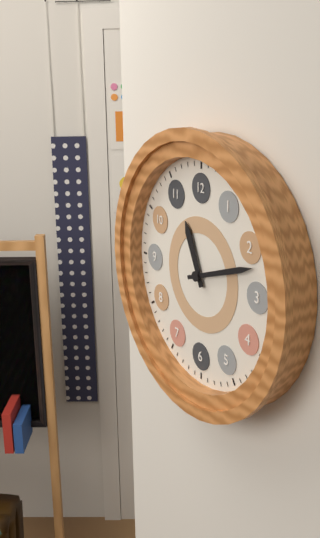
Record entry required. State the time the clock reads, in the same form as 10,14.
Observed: 11,12
